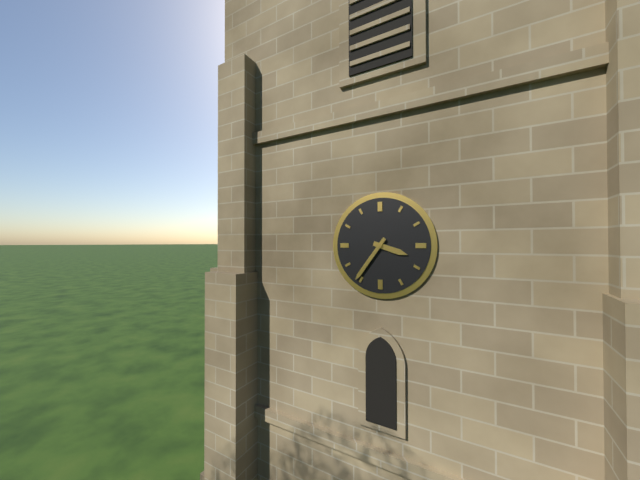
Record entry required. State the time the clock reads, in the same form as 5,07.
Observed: 3,36
